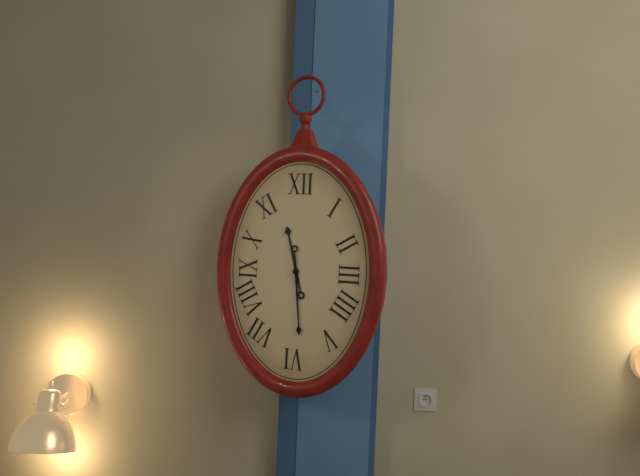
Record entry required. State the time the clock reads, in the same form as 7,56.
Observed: 11,29
